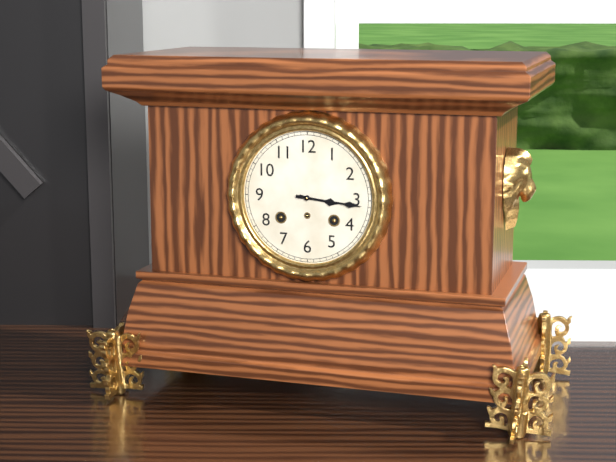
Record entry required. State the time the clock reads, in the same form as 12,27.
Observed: 3,16
